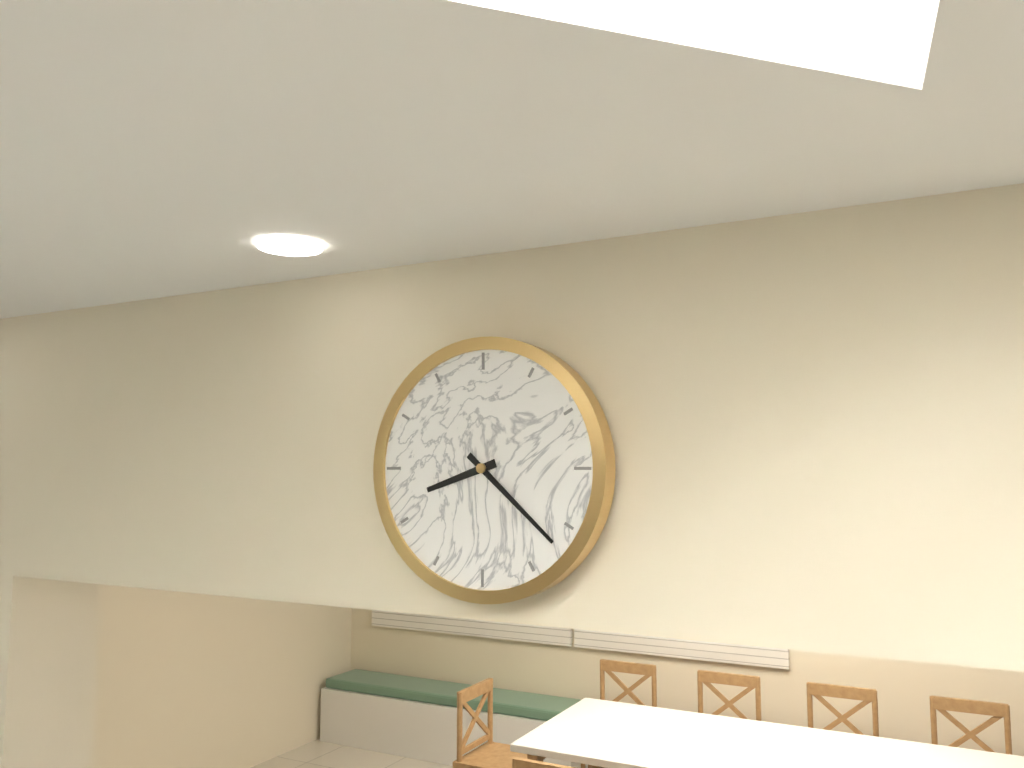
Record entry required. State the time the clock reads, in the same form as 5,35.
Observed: 8,22
